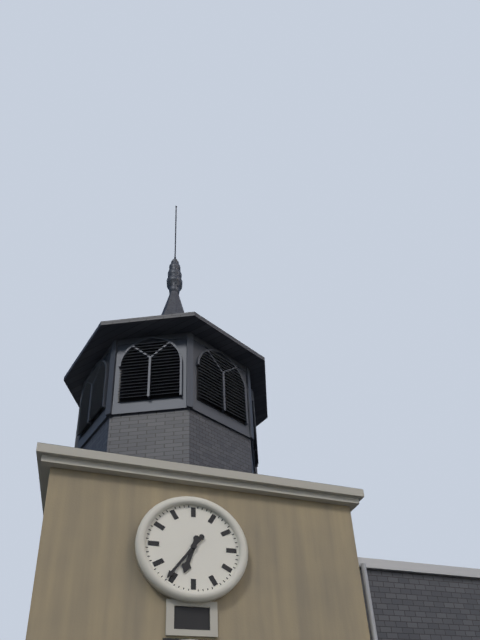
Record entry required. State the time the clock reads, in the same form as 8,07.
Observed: 6,36
